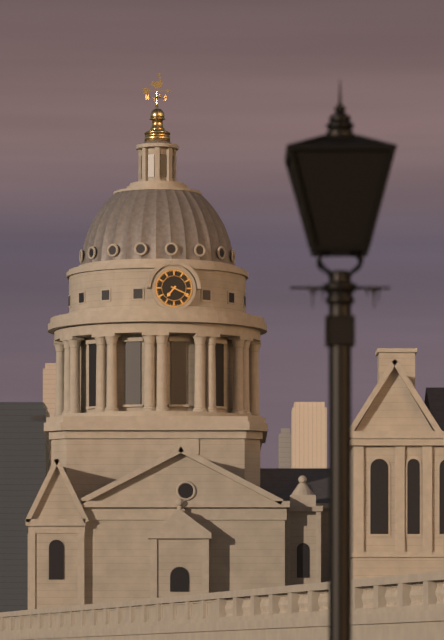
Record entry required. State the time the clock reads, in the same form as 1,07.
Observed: 7,19
